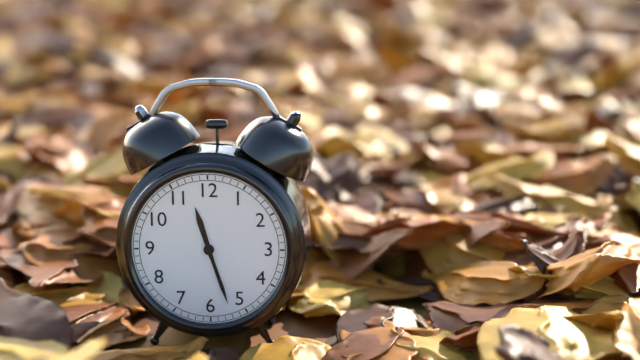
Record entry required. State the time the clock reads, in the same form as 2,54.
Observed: 11,27
